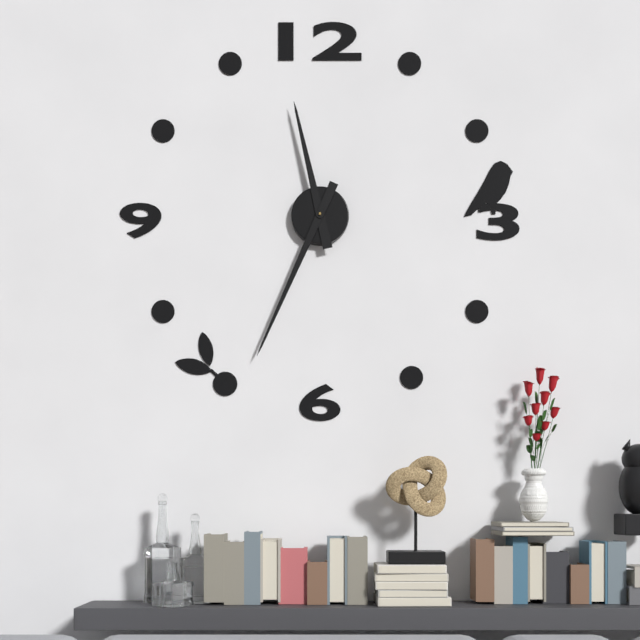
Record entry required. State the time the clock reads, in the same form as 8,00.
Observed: 11,34
